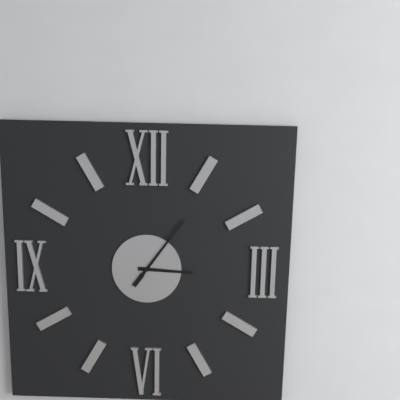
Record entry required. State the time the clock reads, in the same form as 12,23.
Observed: 3,06
